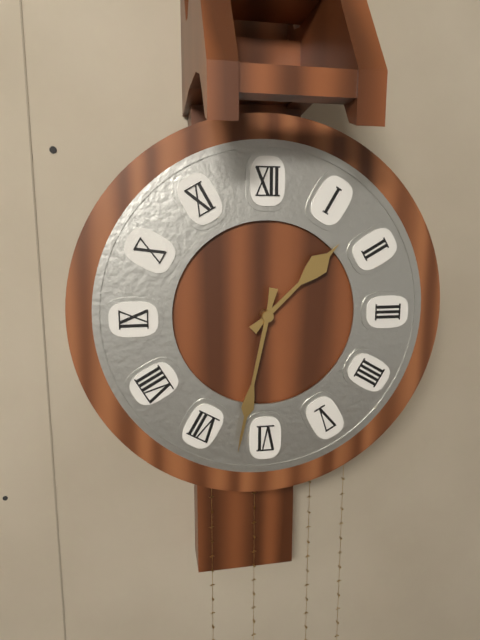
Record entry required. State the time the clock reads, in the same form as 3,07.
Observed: 1,32
